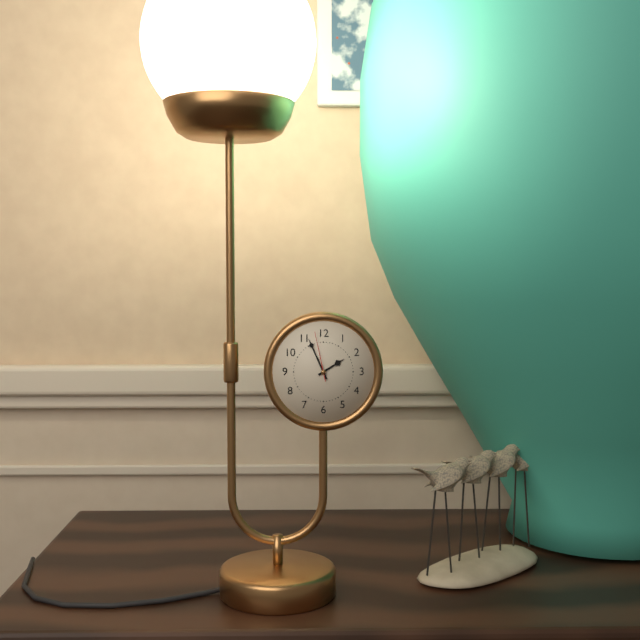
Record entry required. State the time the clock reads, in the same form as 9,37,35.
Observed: 1,56,58
